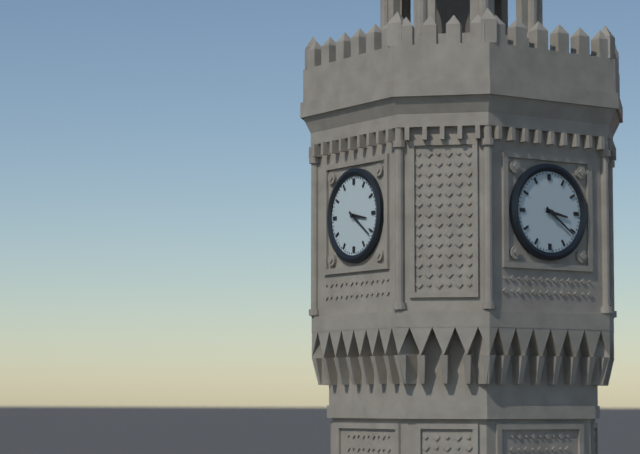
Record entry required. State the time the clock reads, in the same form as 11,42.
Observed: 3,21
